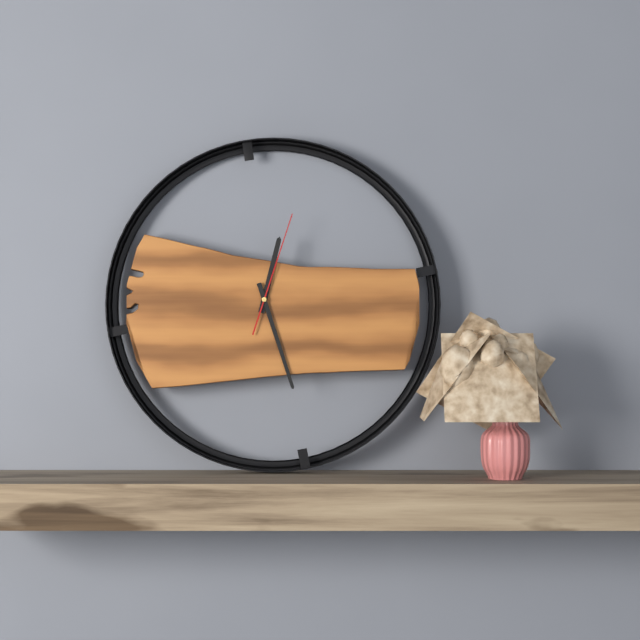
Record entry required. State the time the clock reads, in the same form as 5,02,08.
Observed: 12,27,03
